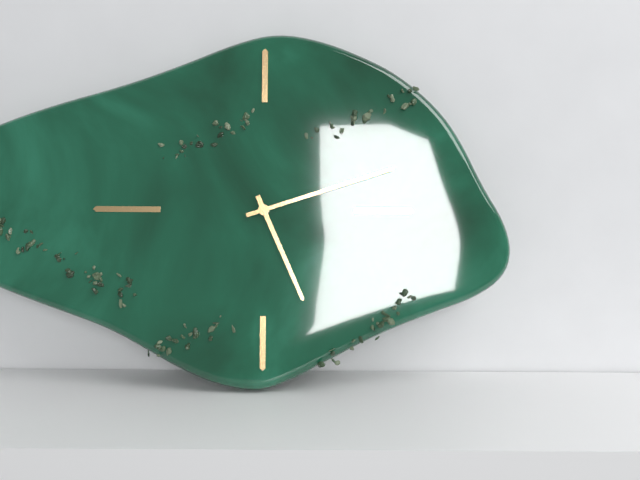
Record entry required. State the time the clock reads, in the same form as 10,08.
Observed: 5,12
